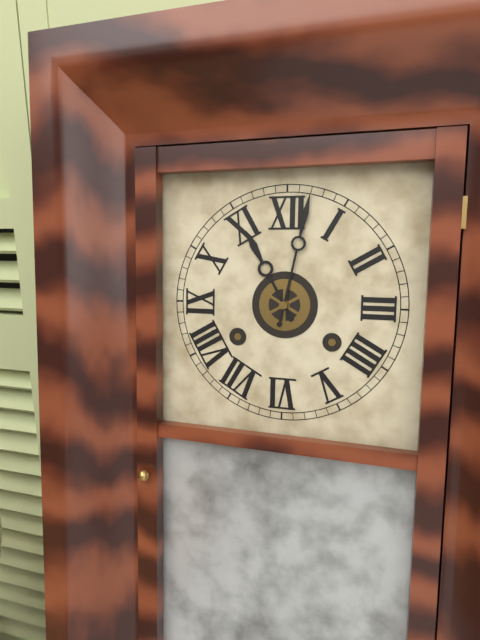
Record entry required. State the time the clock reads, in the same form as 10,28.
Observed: 11,02
